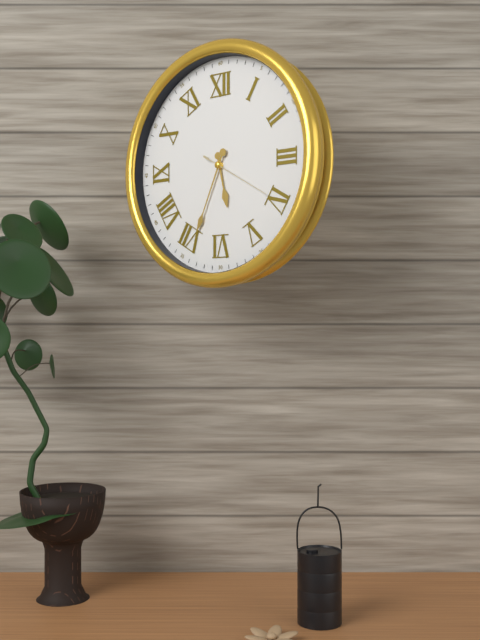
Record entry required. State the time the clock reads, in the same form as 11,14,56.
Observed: 5,34,20
